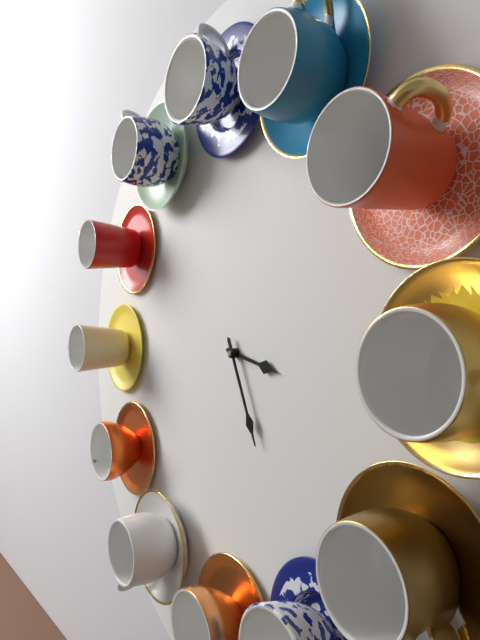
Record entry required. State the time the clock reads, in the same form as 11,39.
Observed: 3,26
